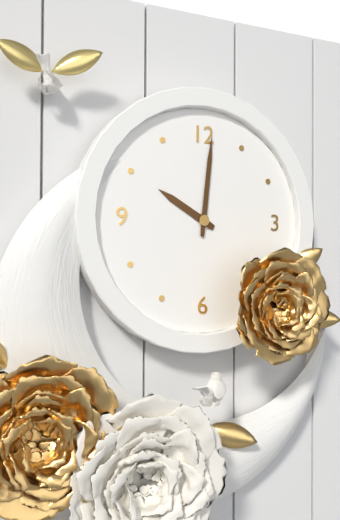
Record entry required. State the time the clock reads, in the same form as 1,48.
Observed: 10,01
